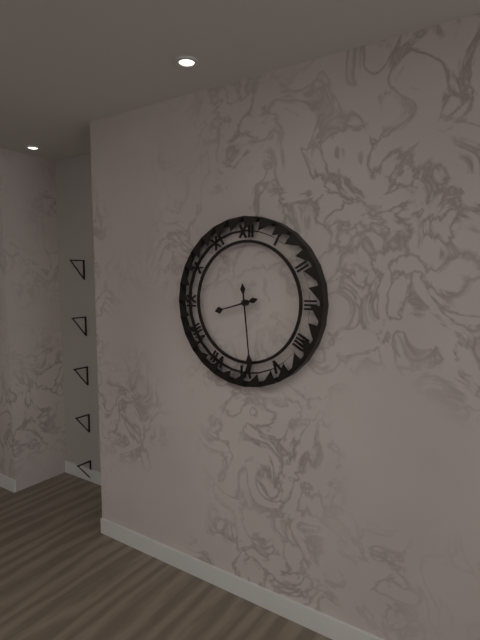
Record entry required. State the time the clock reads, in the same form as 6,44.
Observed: 8,29
